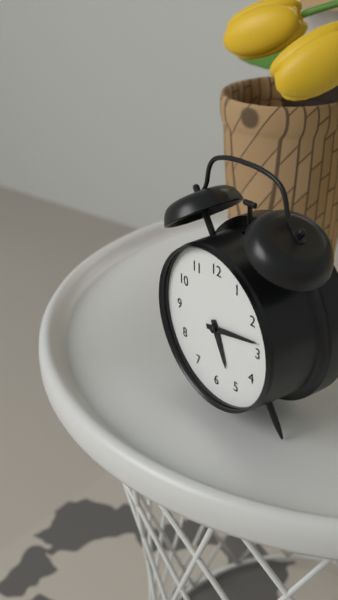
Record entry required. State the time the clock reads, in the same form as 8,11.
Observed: 5,13
